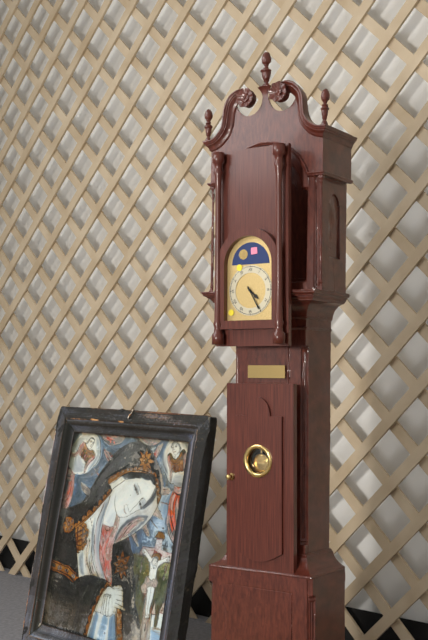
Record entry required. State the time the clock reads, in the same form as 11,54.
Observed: 4,25
